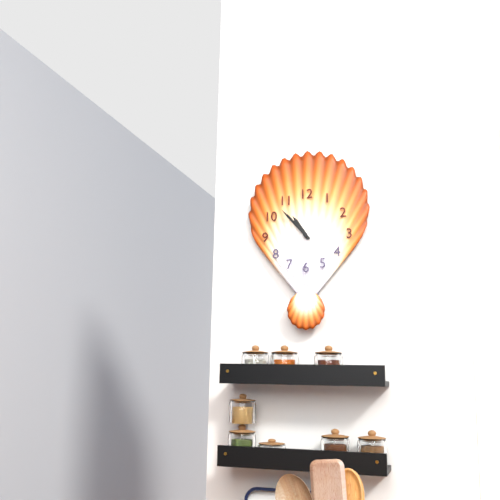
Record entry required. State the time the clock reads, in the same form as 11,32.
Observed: 10,53
